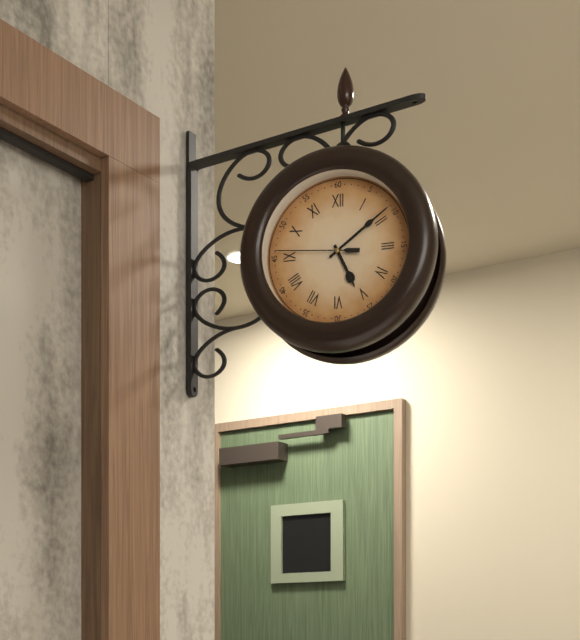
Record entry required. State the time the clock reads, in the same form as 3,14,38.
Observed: 5,09,46
